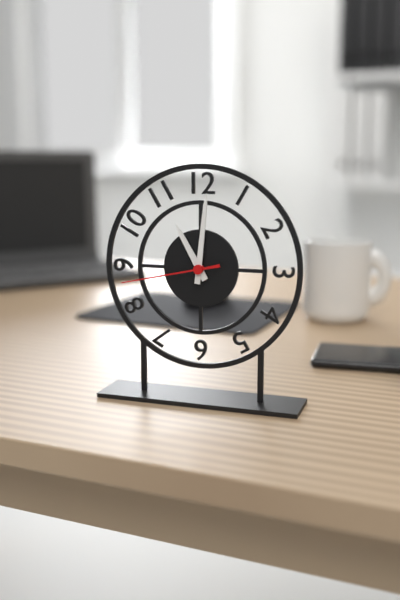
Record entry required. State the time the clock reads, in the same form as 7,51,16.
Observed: 11,01,43
